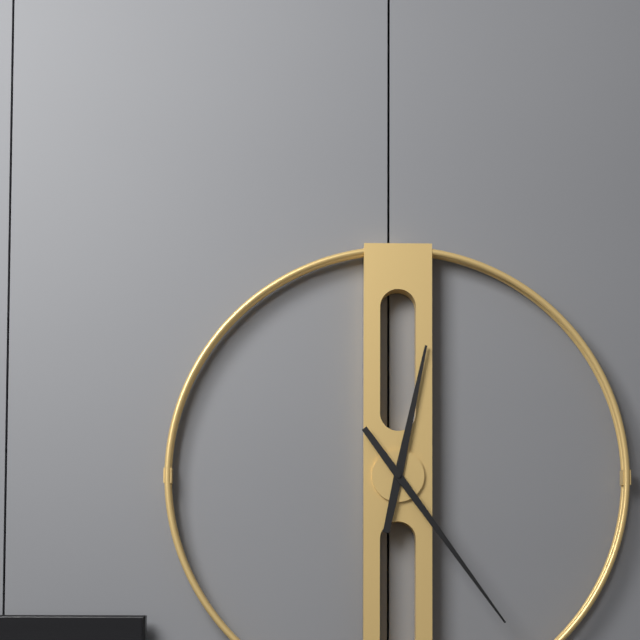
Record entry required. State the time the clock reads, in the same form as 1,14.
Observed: 12,24
